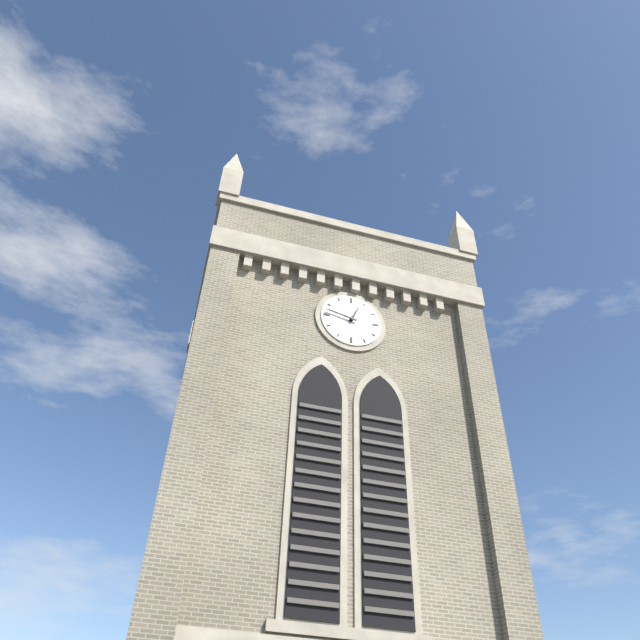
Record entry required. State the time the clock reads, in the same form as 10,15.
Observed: 12,47
